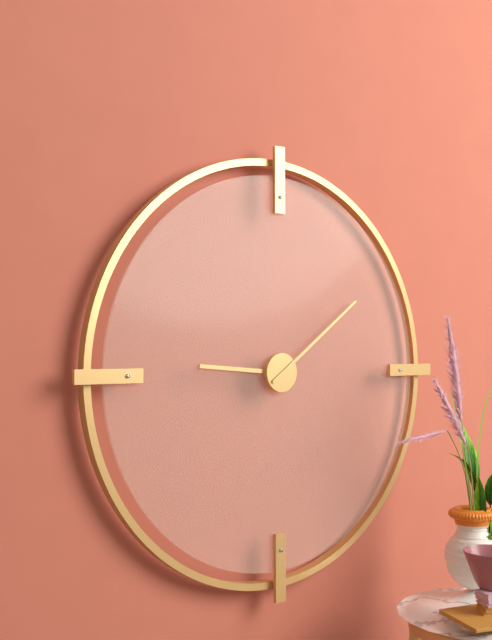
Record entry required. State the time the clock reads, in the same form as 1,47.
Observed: 9,09
